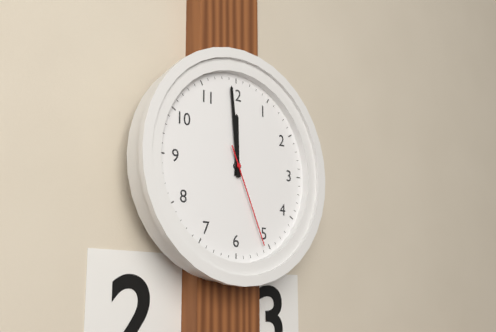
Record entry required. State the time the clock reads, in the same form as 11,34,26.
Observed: 11,59,26
